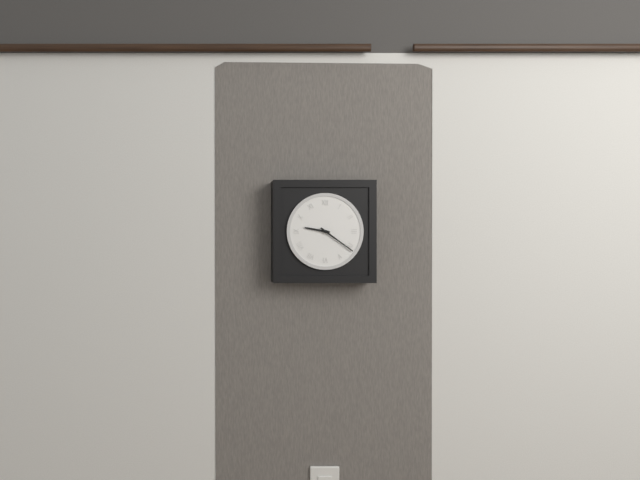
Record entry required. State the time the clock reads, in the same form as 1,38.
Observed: 9,21
